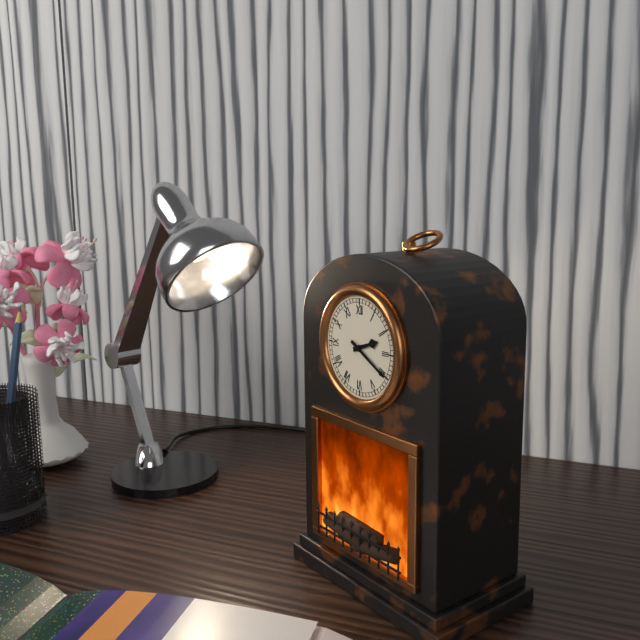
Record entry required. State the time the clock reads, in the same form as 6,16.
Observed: 2,20
